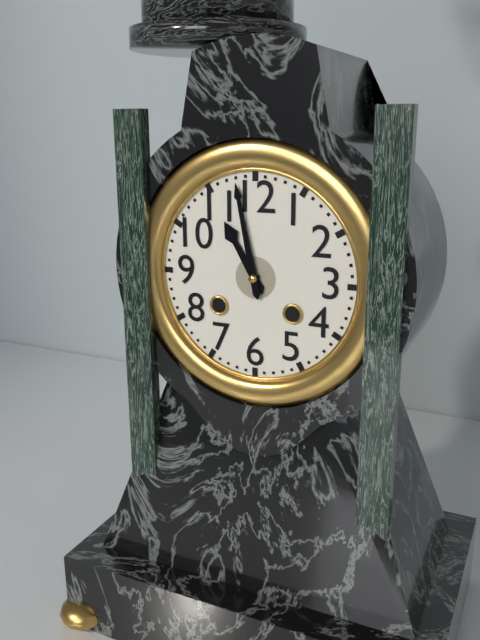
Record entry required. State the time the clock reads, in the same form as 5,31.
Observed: 10,58
